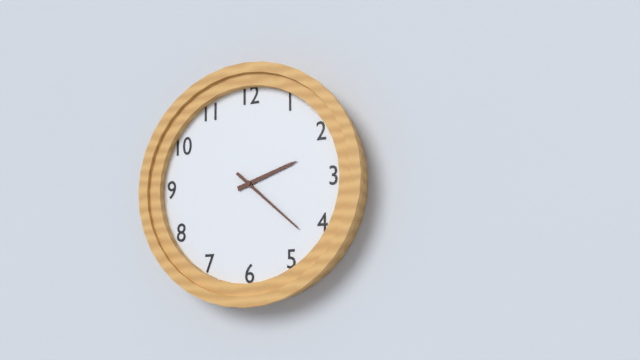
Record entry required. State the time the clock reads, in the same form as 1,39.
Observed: 2,22
